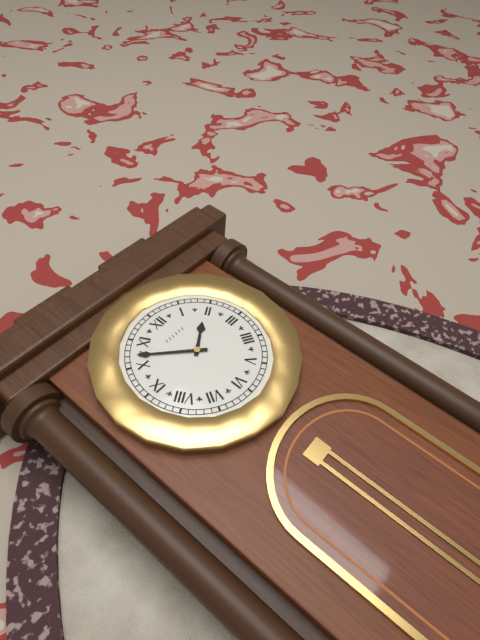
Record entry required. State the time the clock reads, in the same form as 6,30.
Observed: 1,52
